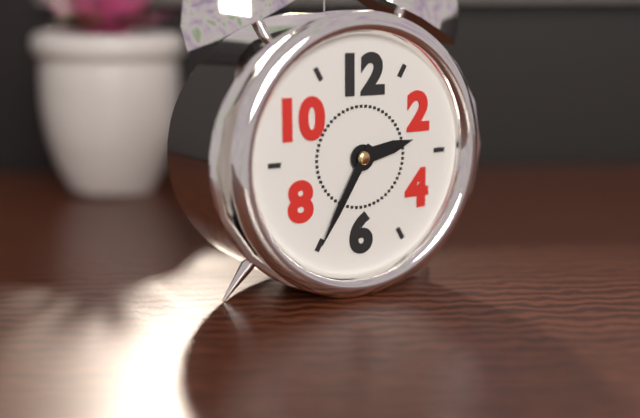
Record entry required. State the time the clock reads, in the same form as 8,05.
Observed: 2,35
